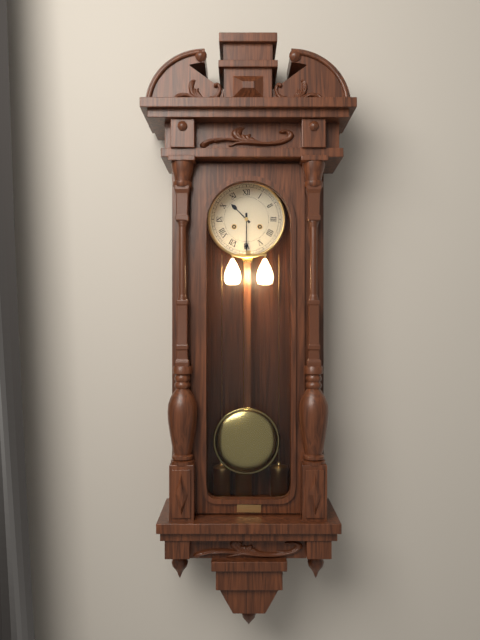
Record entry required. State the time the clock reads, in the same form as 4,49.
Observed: 10,30
